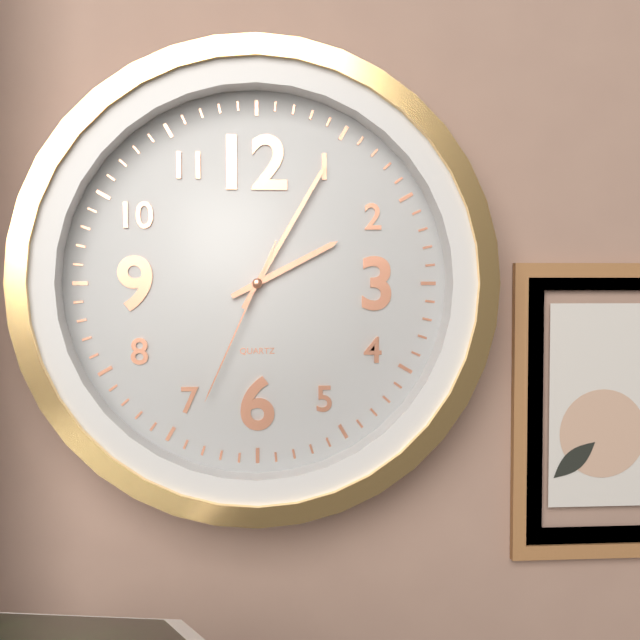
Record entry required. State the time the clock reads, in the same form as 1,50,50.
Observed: 2,05,34
